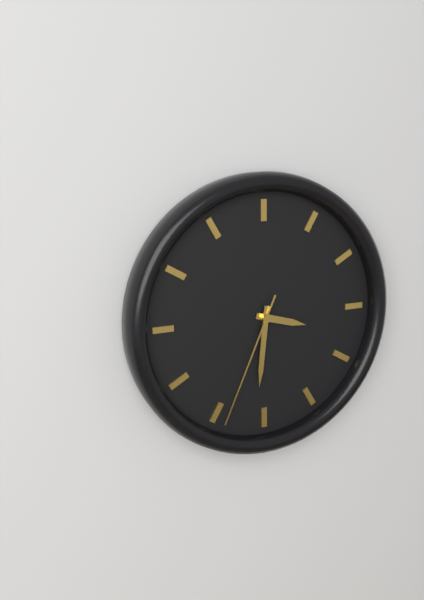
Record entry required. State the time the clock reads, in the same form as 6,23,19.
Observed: 3,31,34
